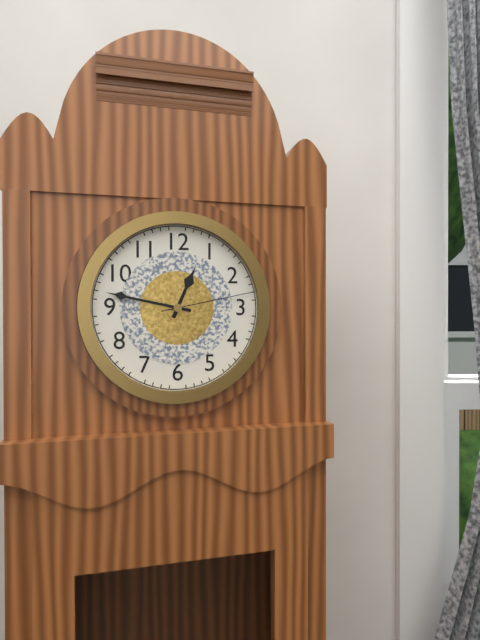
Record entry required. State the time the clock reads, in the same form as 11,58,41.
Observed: 12,47,13
